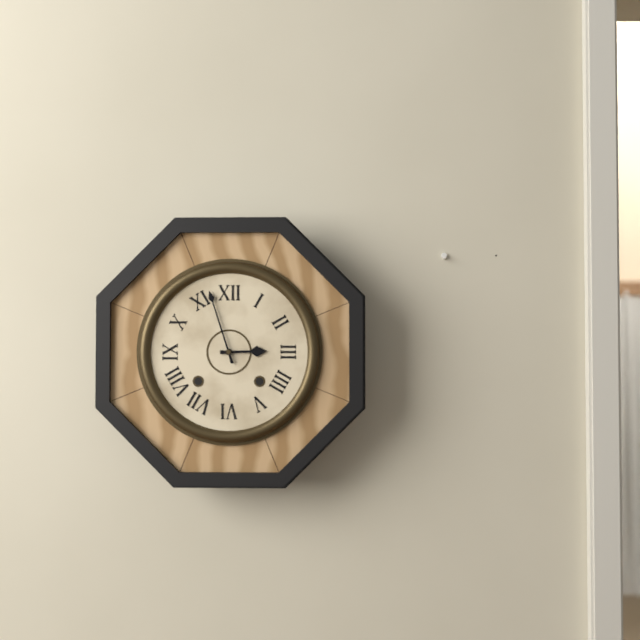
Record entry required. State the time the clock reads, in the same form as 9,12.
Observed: 2,57
